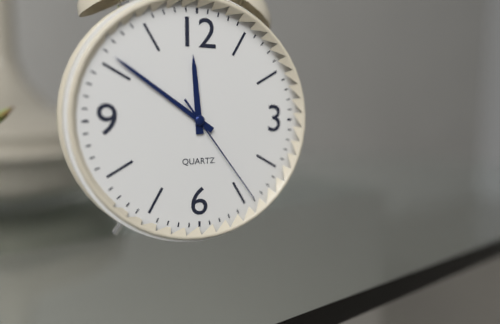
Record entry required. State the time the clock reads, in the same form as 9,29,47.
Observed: 11,51,24
